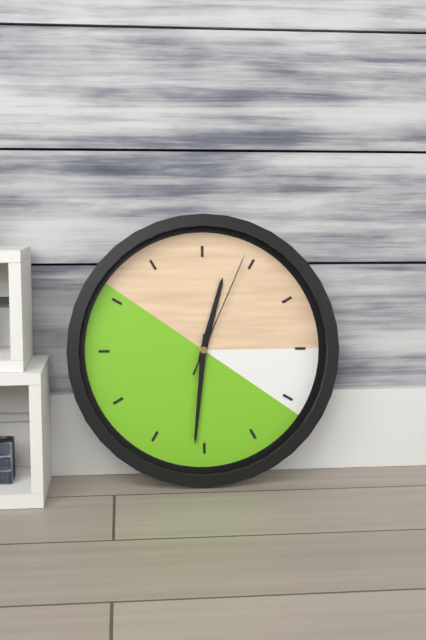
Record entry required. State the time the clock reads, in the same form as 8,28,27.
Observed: 12,31,04
